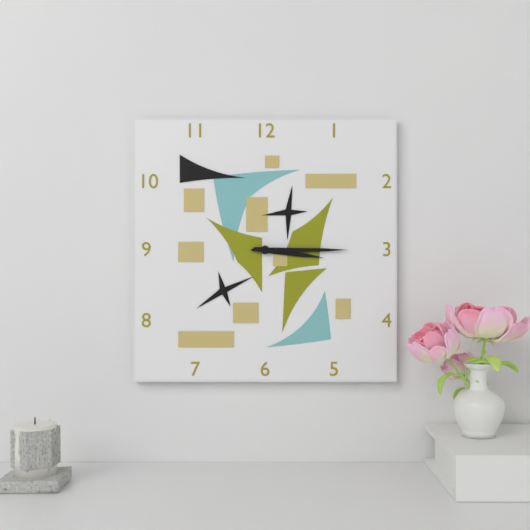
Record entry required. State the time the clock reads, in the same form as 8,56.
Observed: 3,15
